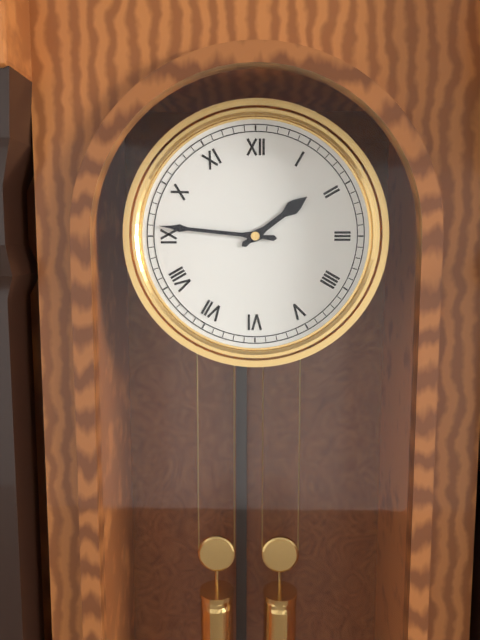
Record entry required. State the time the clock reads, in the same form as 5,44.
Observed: 1,46
